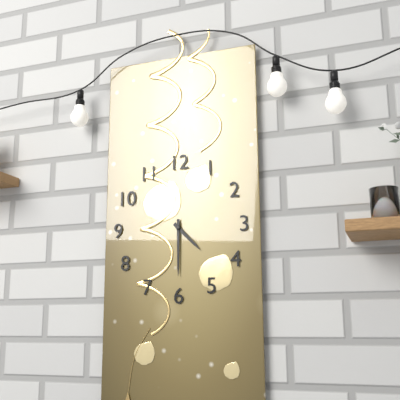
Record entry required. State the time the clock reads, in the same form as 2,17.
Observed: 4,30
